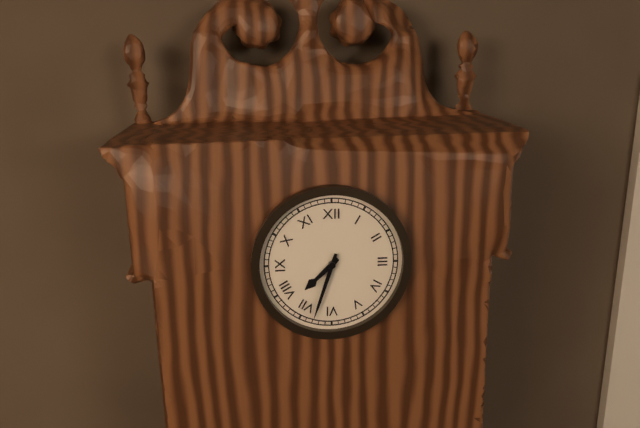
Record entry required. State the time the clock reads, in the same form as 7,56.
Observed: 7,33
